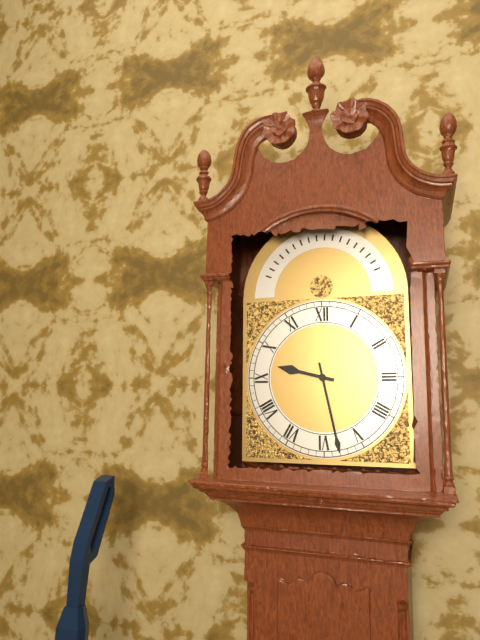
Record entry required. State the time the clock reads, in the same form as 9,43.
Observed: 9,28
